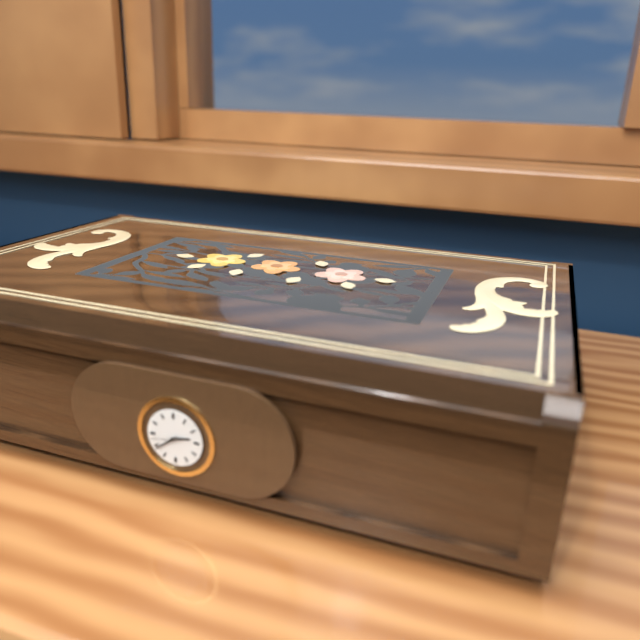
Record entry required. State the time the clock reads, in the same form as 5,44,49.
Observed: 2,39,43
